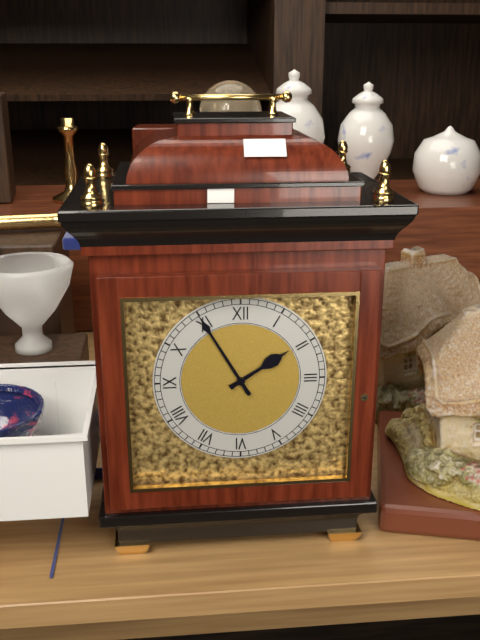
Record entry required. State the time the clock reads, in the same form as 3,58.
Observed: 1,55
